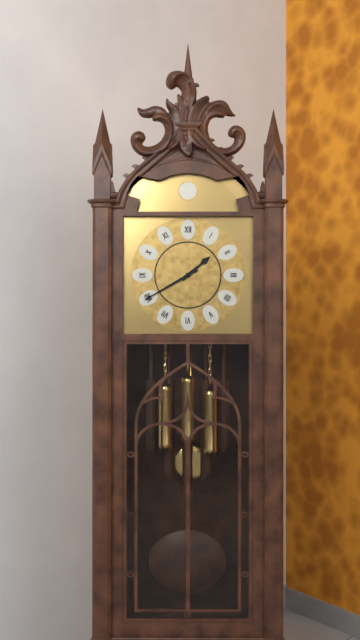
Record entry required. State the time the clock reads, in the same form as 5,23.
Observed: 1,40
